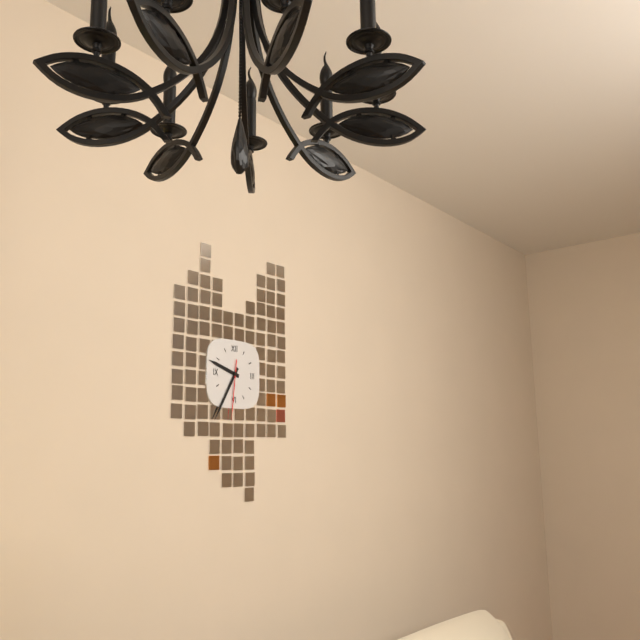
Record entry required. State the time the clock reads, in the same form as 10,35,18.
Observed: 9,35,31
